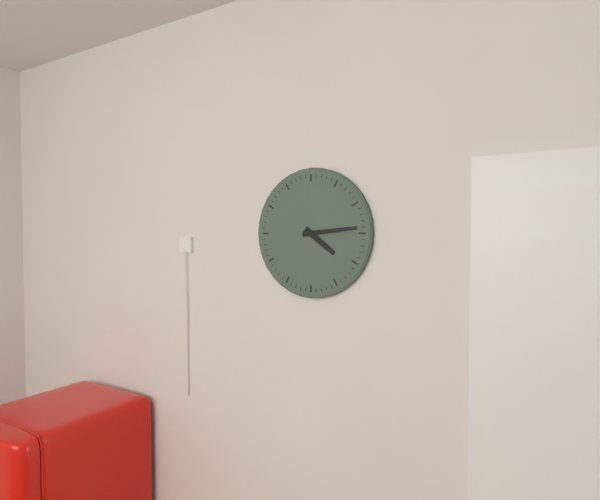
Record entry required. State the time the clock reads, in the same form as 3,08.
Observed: 4,14
